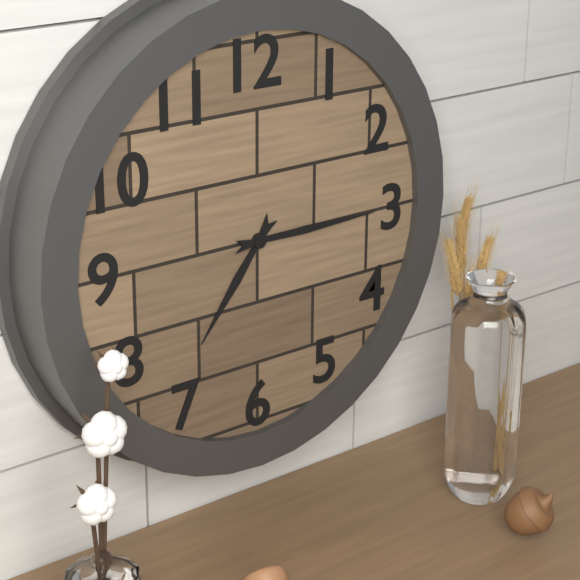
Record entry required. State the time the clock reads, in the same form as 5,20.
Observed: 7,15
